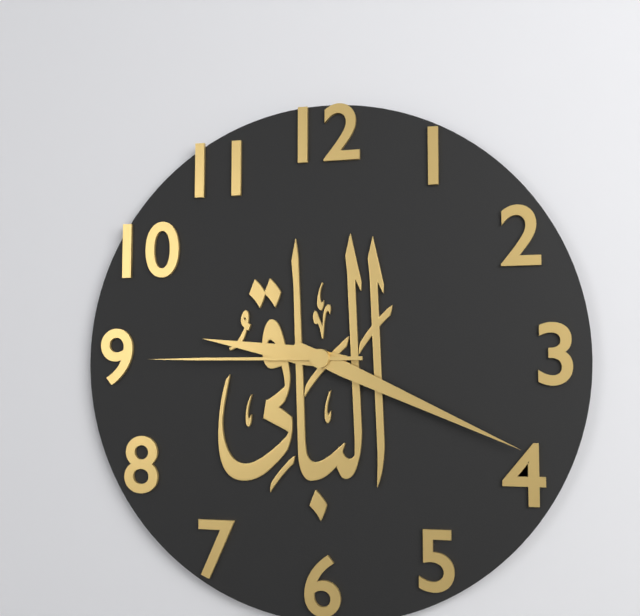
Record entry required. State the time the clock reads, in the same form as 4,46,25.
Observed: 9,19,45
